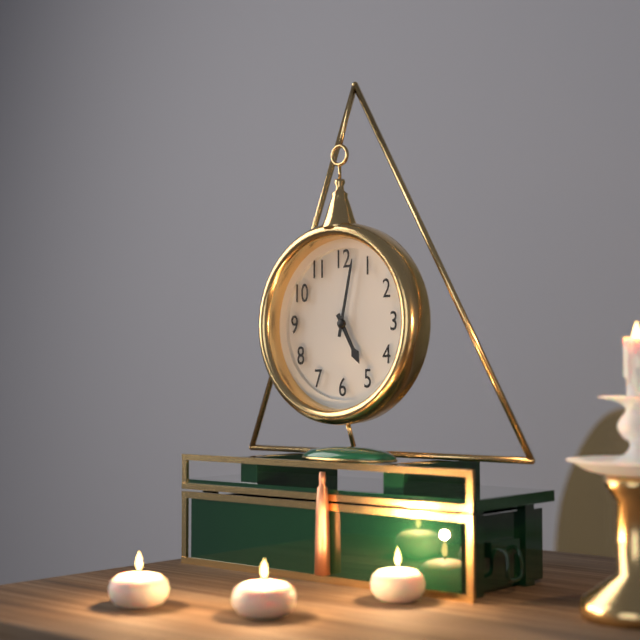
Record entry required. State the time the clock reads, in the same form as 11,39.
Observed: 5,02
